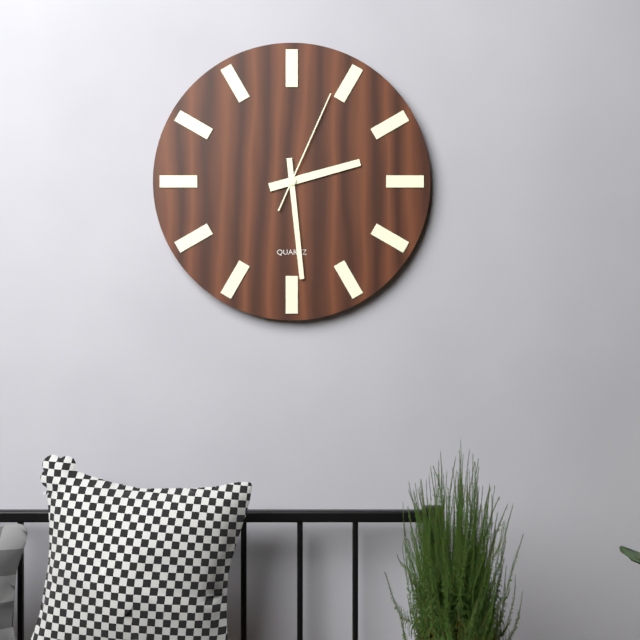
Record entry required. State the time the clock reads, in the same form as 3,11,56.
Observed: 2,29,04
